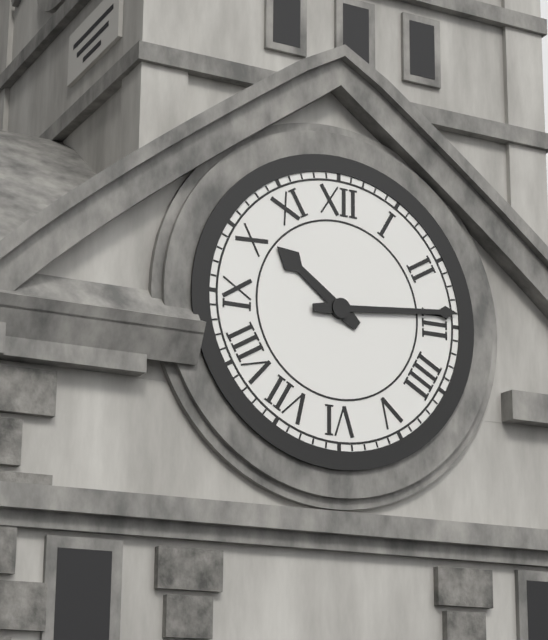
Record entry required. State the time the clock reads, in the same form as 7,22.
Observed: 10,14
